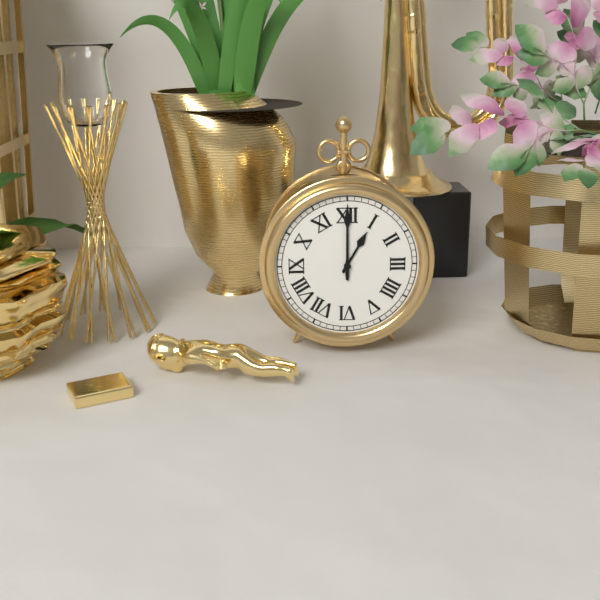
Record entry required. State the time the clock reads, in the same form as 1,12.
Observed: 1,00
